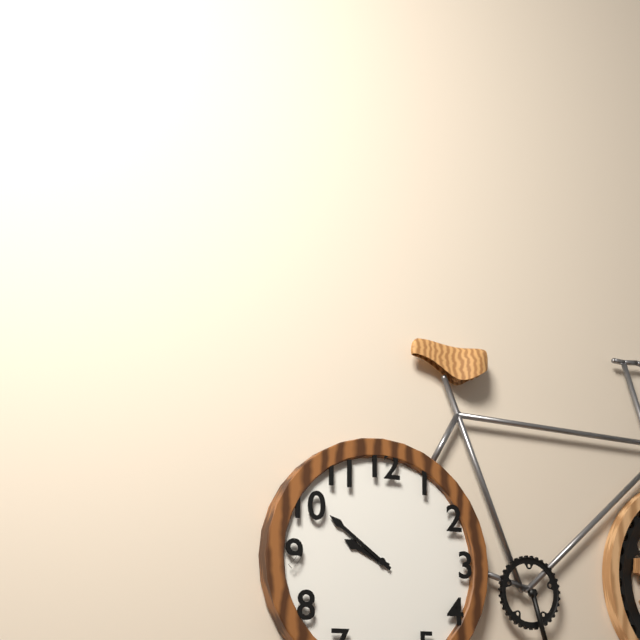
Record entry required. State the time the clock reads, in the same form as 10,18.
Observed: 9,51
